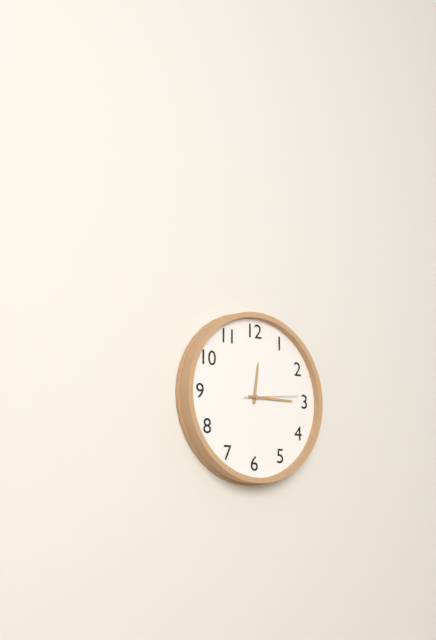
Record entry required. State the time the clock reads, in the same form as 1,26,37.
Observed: 12,15,14
